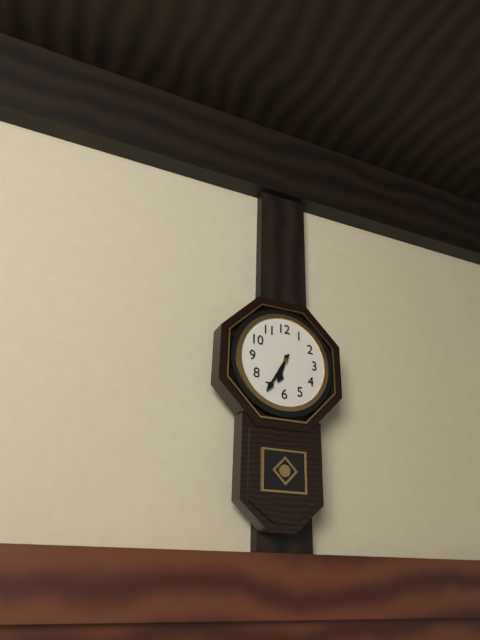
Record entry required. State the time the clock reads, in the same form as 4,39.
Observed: 6,35
